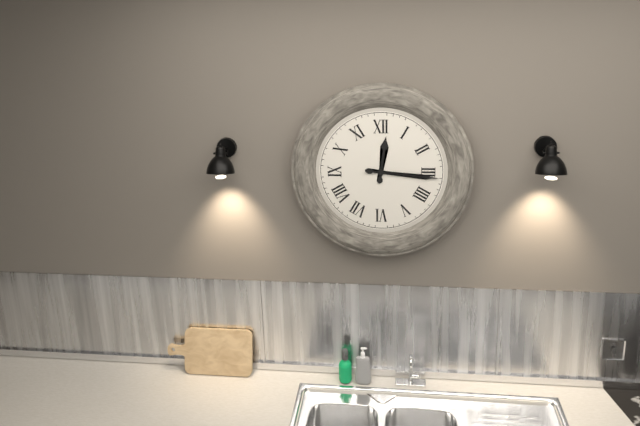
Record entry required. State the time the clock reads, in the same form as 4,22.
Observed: 12,16
